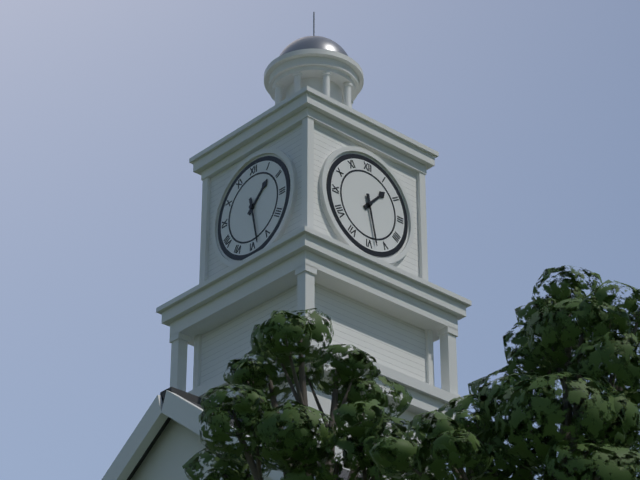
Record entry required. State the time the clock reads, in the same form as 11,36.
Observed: 1,28
